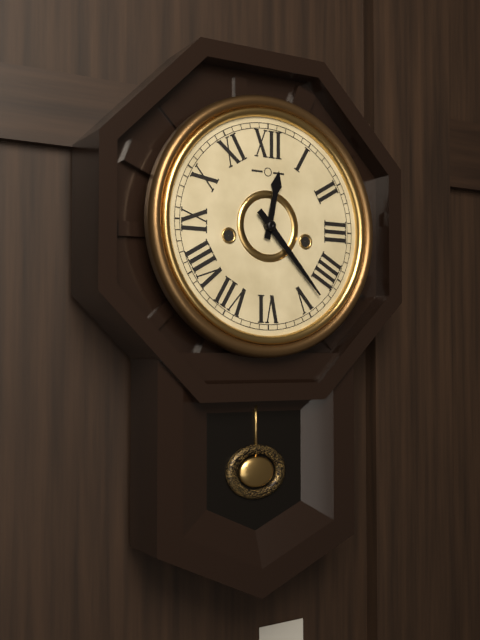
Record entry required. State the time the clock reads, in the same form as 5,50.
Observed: 12,23
